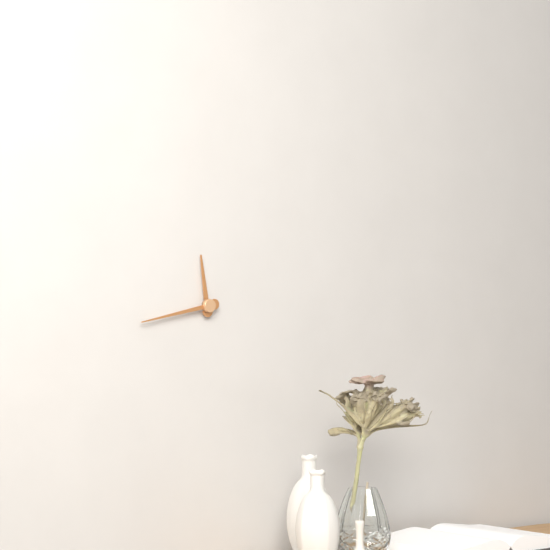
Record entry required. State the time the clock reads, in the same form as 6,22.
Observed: 11,43
